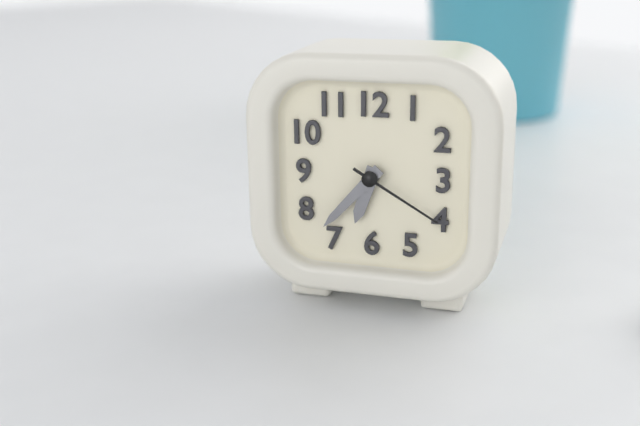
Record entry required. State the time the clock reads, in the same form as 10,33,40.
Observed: 6,37,20
